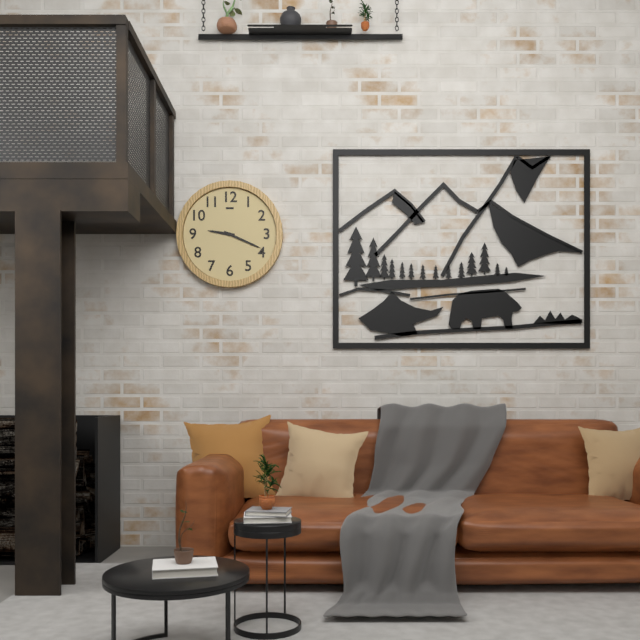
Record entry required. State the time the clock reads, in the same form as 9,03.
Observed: 9,19
